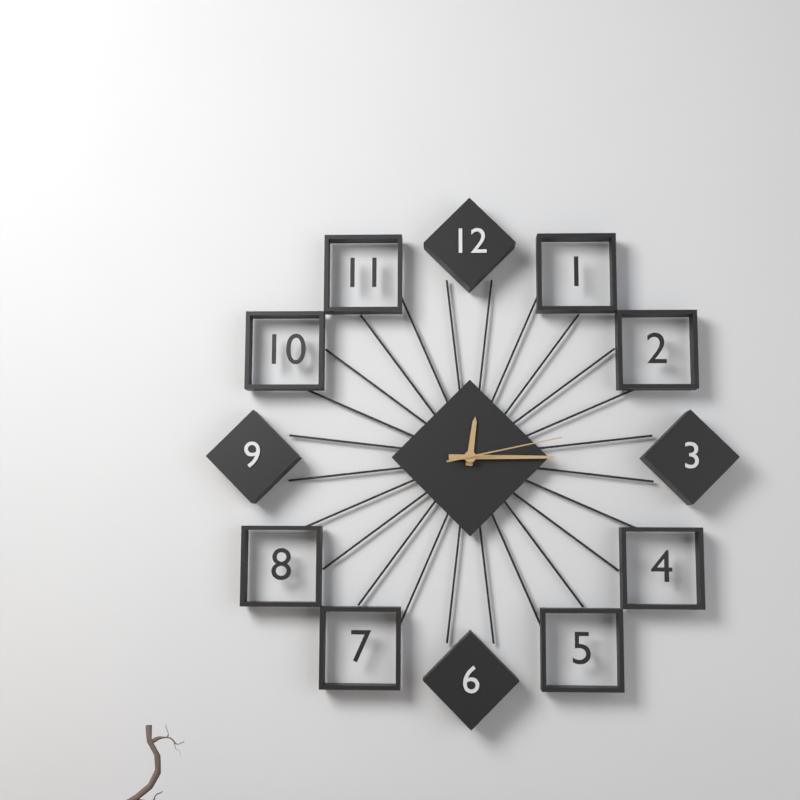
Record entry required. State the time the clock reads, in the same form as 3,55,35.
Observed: 12,15,13
